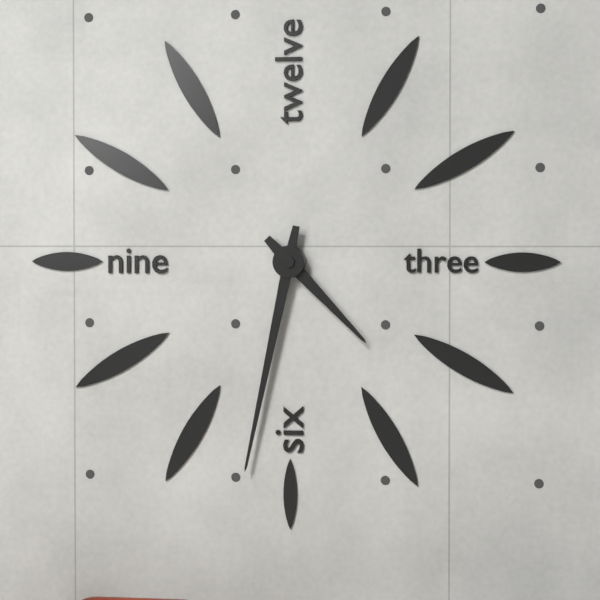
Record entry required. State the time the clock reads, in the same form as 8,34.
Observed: 4,32
